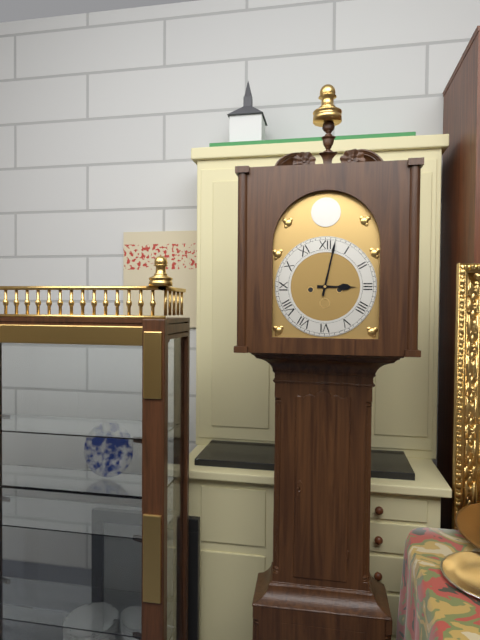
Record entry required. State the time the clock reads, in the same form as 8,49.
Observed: 3,02
